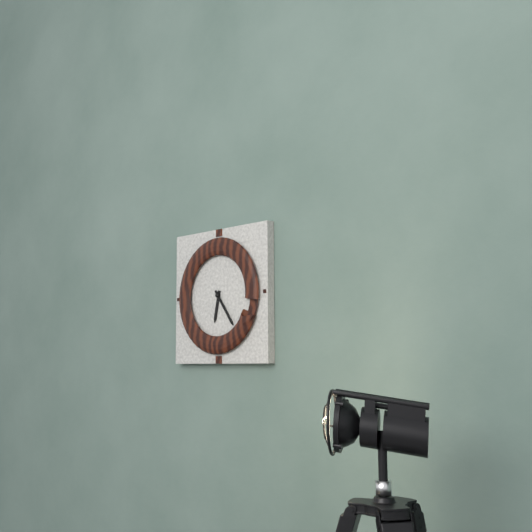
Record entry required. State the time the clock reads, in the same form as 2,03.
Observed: 6,24
